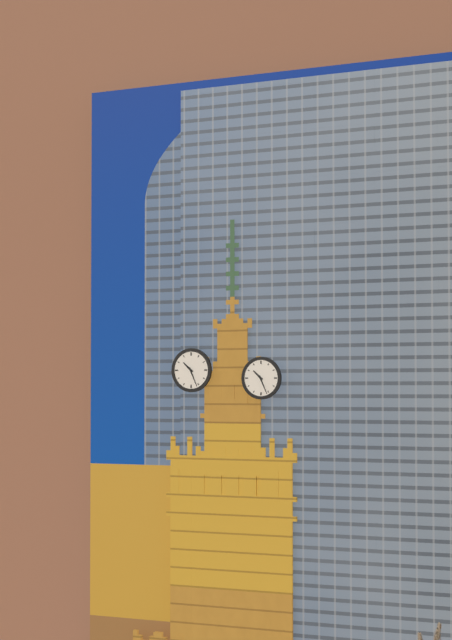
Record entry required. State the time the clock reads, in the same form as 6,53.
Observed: 10,26
